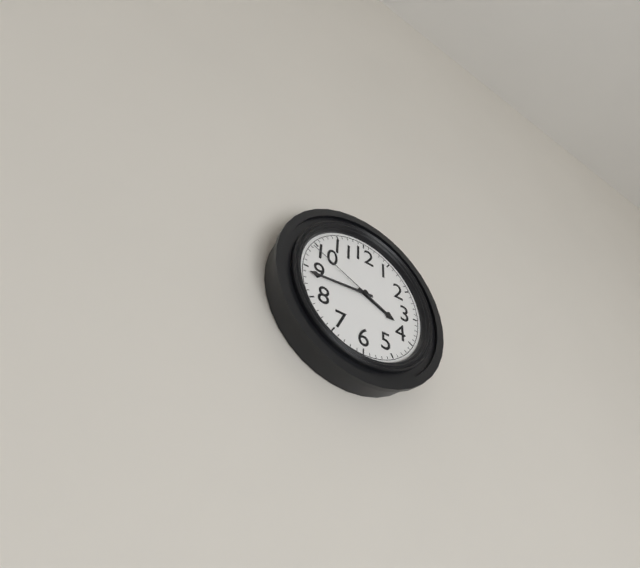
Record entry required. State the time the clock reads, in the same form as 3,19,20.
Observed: 3,44,49
